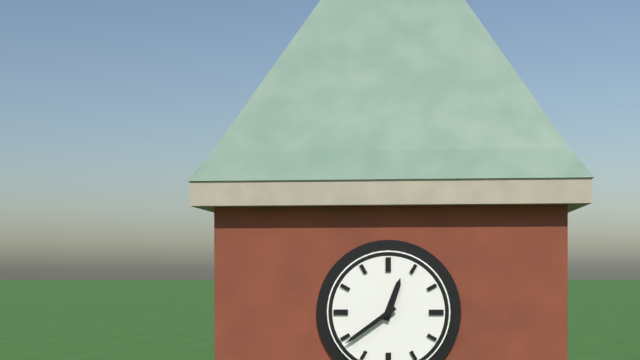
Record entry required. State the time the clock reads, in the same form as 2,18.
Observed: 12,39
